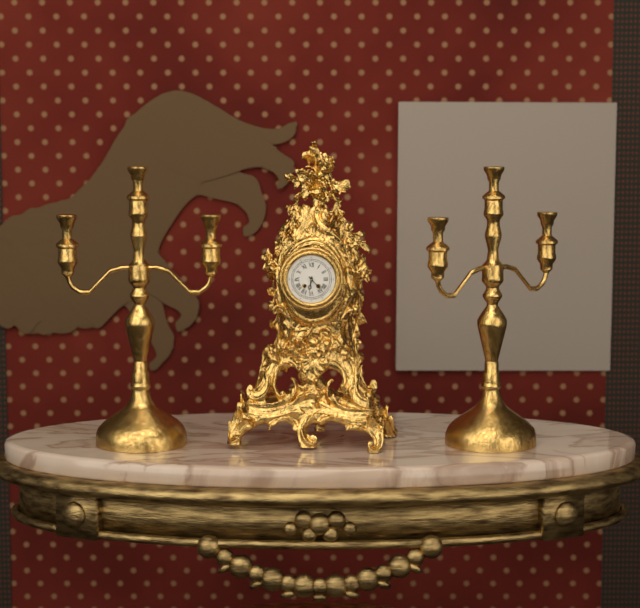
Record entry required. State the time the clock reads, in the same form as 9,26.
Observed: 6,23
